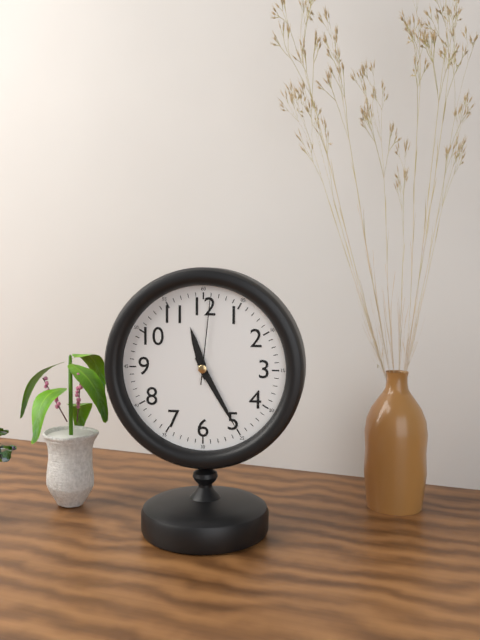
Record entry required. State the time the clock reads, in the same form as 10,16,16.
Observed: 11,25,01
